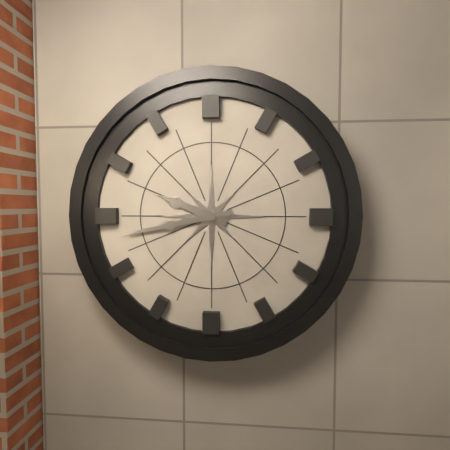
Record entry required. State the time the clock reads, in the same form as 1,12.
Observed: 9,43
